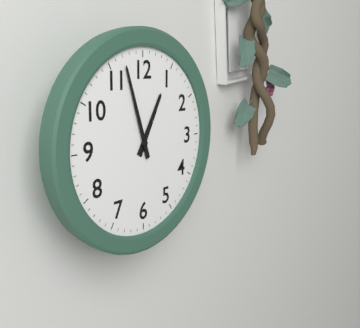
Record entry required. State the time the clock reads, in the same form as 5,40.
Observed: 12,57
